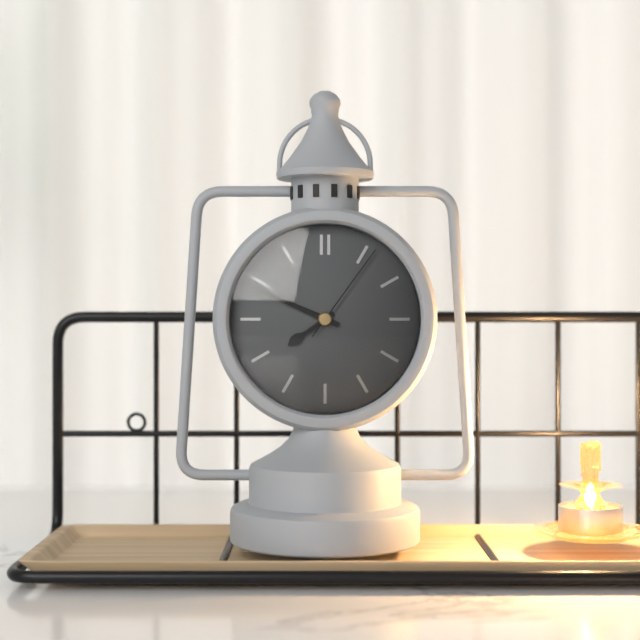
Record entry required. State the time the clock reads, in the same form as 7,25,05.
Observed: 7,49,06
